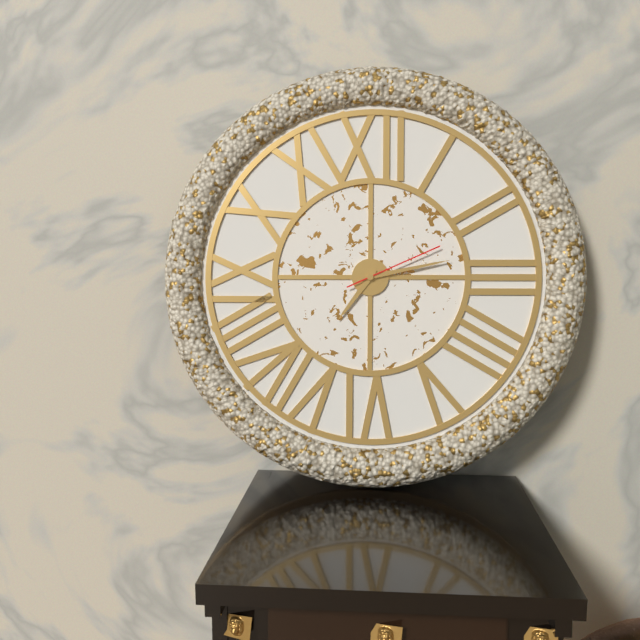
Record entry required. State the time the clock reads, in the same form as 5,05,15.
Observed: 7,13,11
